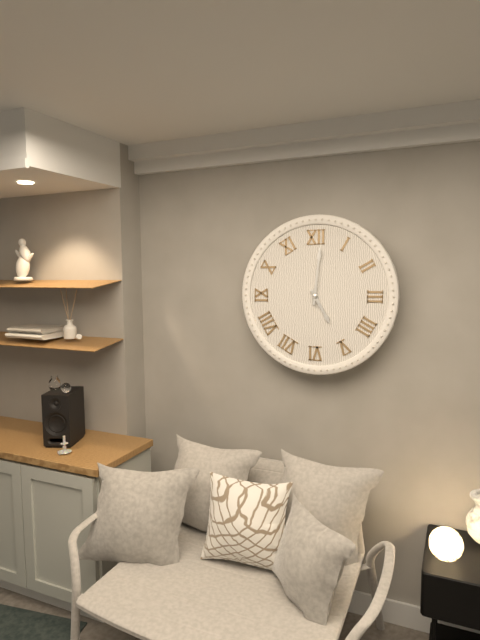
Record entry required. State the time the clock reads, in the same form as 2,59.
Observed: 5,01
